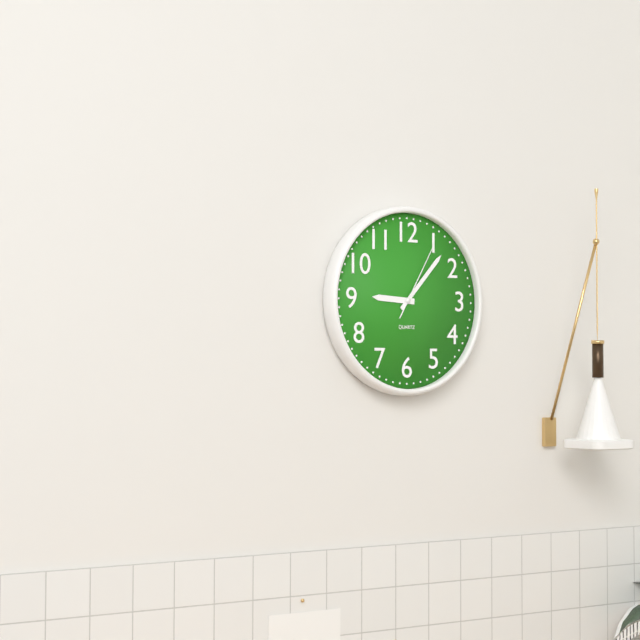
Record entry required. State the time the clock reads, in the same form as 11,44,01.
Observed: 9,07,05
